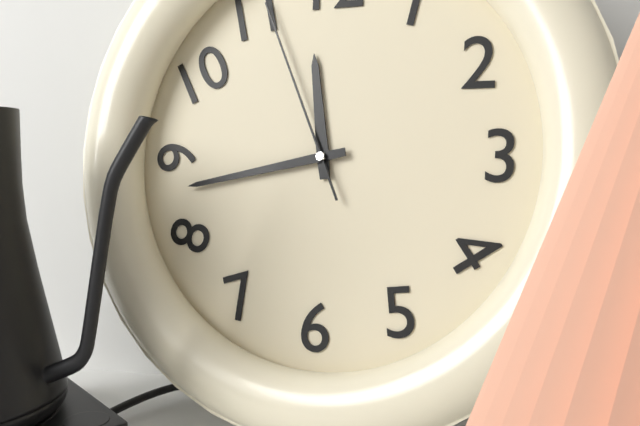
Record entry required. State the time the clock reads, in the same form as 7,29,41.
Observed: 11,43,56
